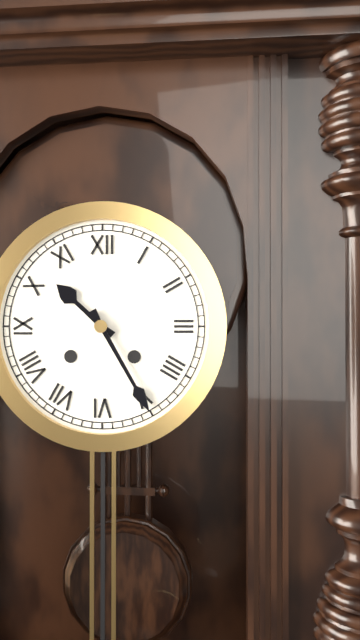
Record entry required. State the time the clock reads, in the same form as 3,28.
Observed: 10,25
